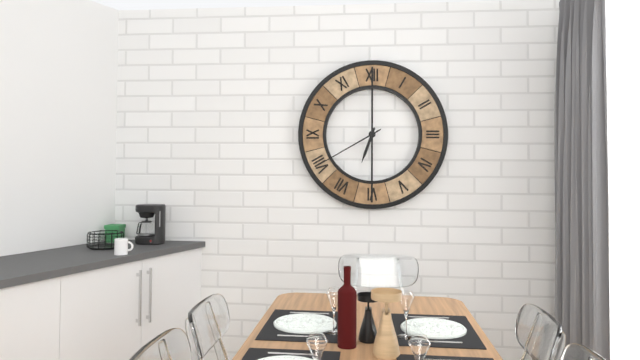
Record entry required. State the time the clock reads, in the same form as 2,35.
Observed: 6,40
